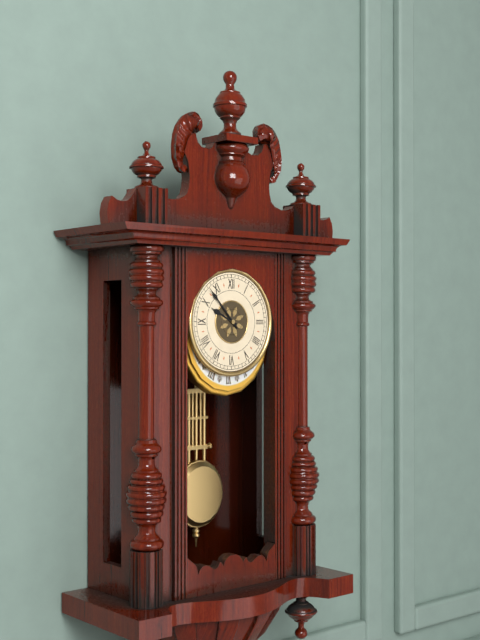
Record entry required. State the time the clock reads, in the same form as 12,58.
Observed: 9,53
